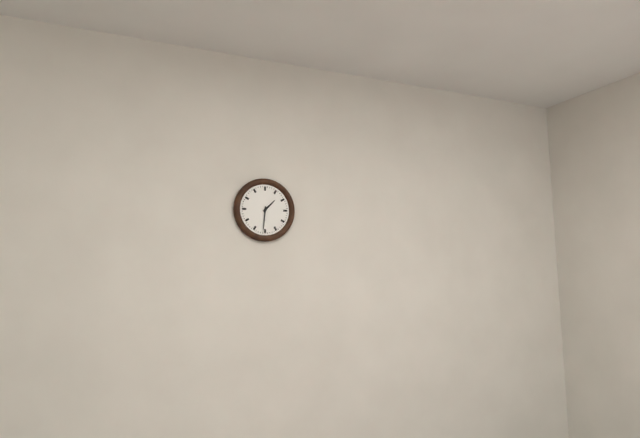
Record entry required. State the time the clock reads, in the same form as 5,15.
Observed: 1,31
